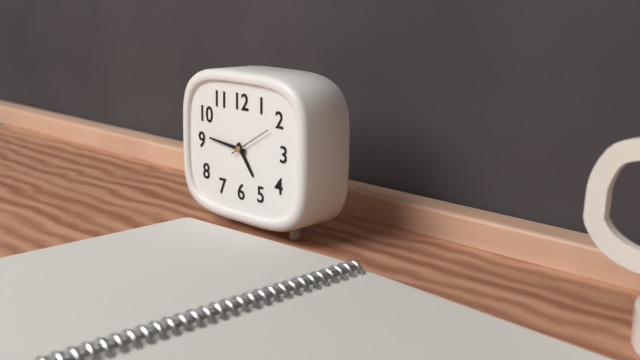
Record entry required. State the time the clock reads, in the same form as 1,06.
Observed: 4,46
